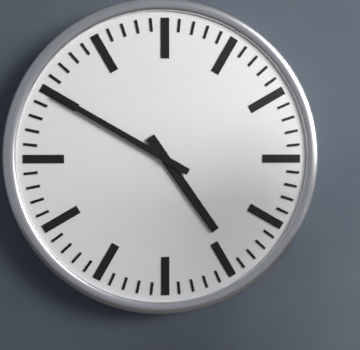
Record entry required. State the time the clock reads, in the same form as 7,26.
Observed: 4,50
